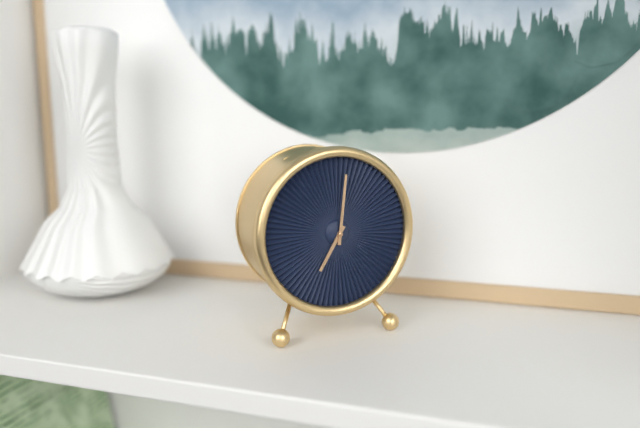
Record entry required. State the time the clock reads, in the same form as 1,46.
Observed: 7,01
